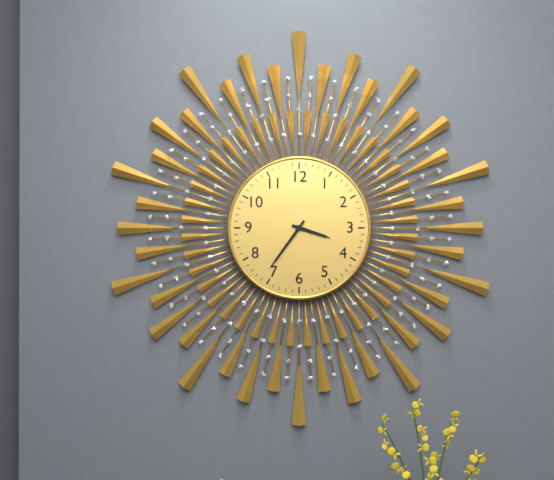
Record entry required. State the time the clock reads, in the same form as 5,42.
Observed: 3,36
